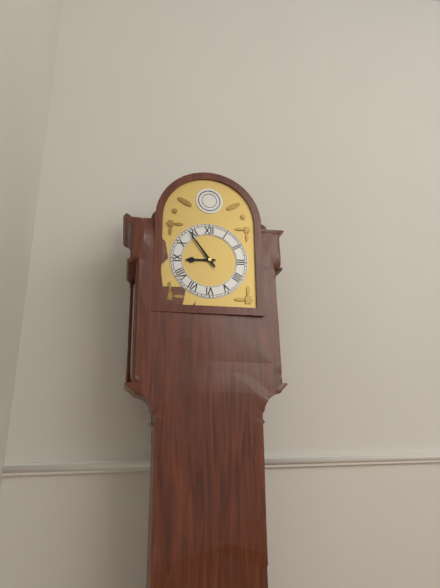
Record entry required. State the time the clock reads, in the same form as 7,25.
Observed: 8,54
